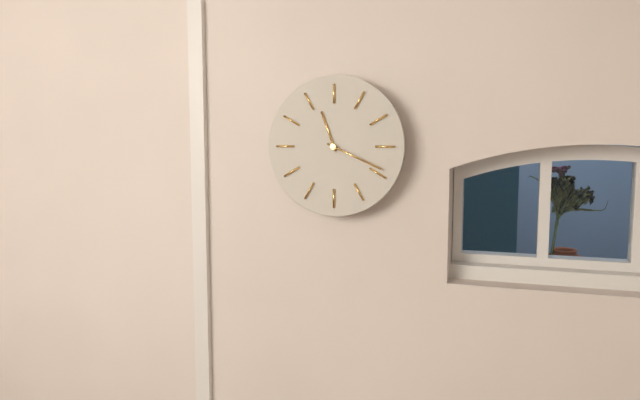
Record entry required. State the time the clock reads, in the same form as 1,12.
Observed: 11,19
